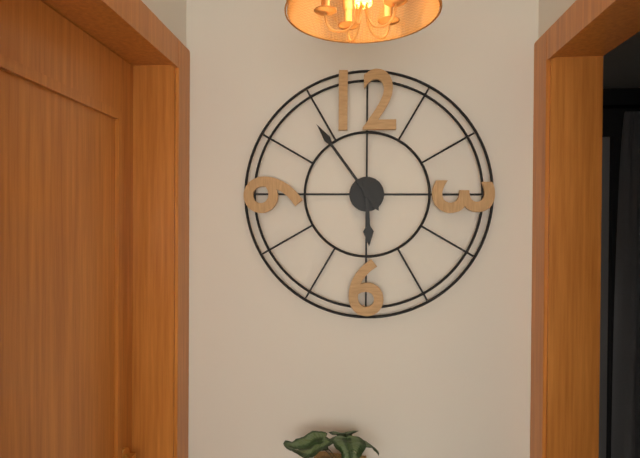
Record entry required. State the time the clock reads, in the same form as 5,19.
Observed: 5,54
